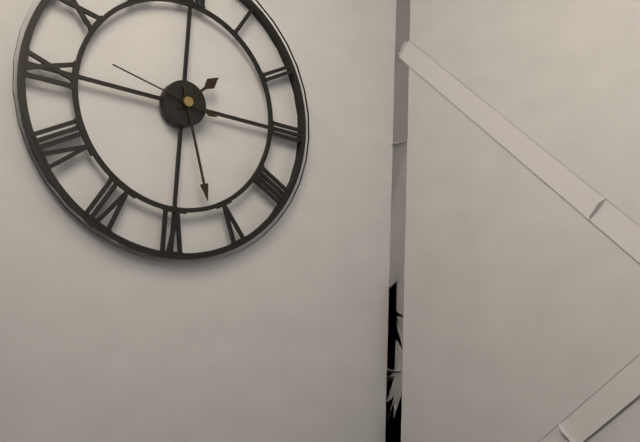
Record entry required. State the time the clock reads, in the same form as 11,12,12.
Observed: 1,27,47
